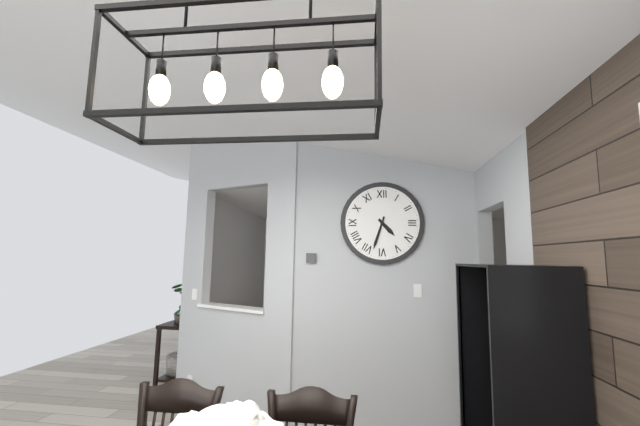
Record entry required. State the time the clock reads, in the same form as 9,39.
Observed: 4,33
